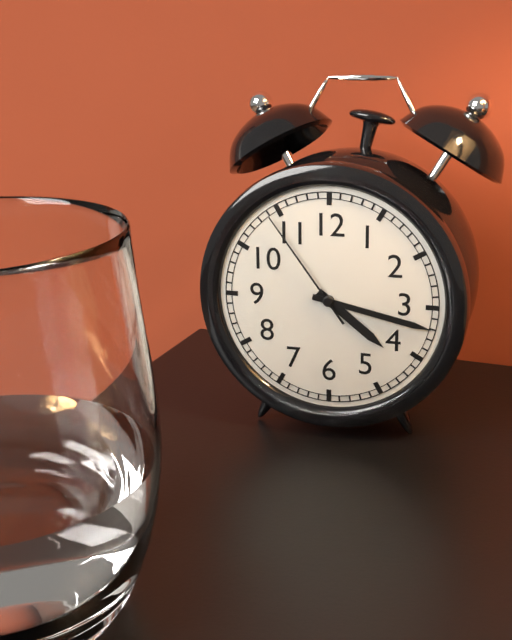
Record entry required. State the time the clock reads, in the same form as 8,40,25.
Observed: 4,17,54
